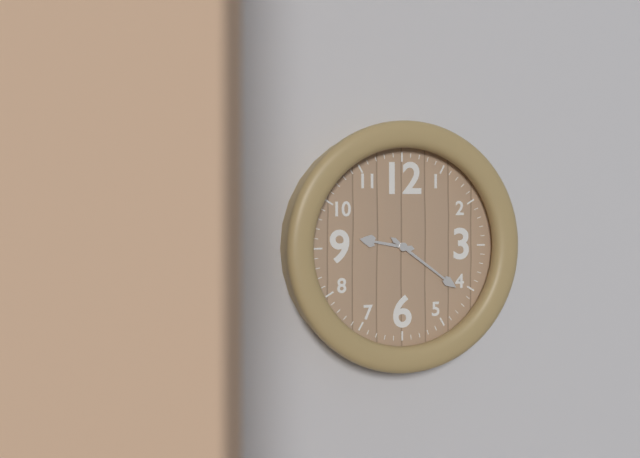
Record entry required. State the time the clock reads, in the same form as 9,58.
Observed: 9,21
